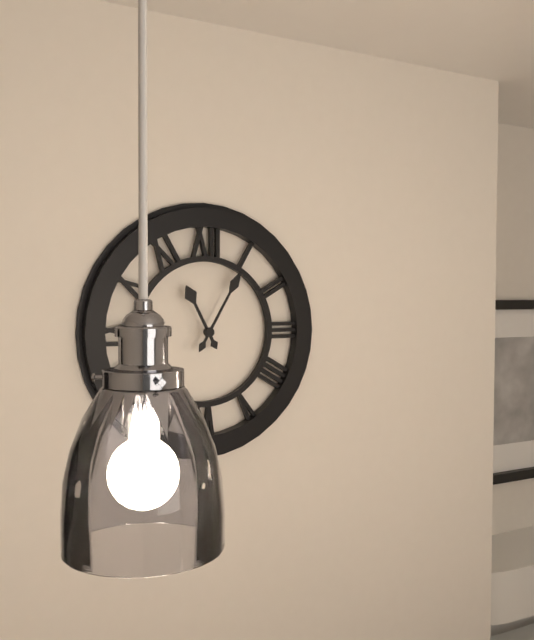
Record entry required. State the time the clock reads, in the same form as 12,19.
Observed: 11,05
